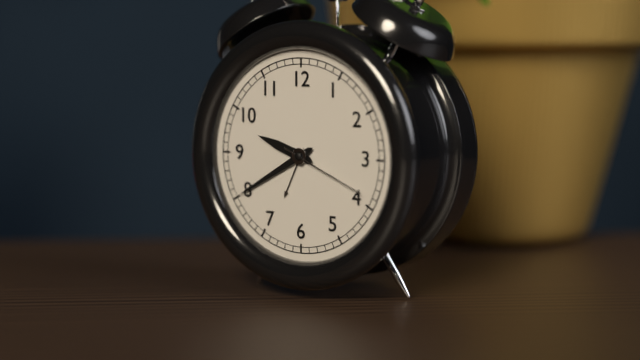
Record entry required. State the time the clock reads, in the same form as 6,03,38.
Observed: 9,40,19
